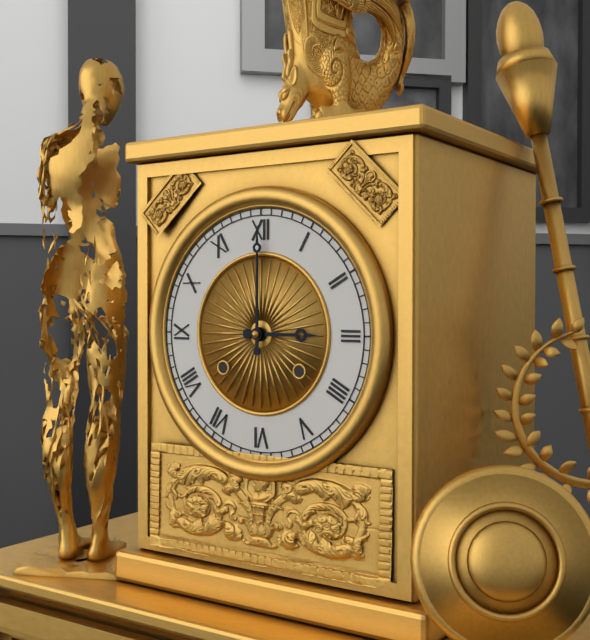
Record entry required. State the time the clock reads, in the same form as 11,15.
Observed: 3,00
